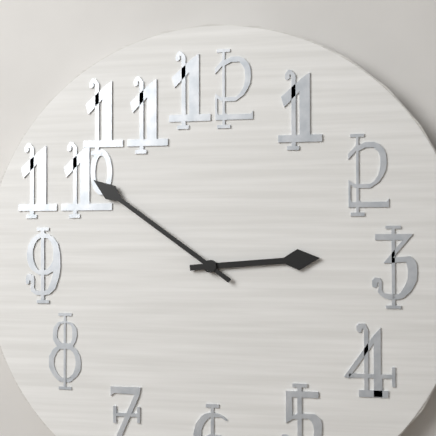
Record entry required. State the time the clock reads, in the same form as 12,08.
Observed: 2,51
